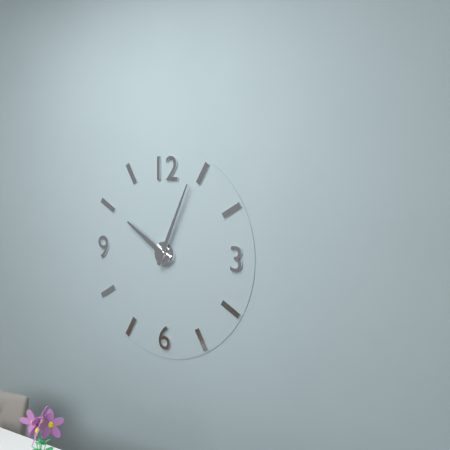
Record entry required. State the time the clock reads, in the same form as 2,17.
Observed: 10,04
